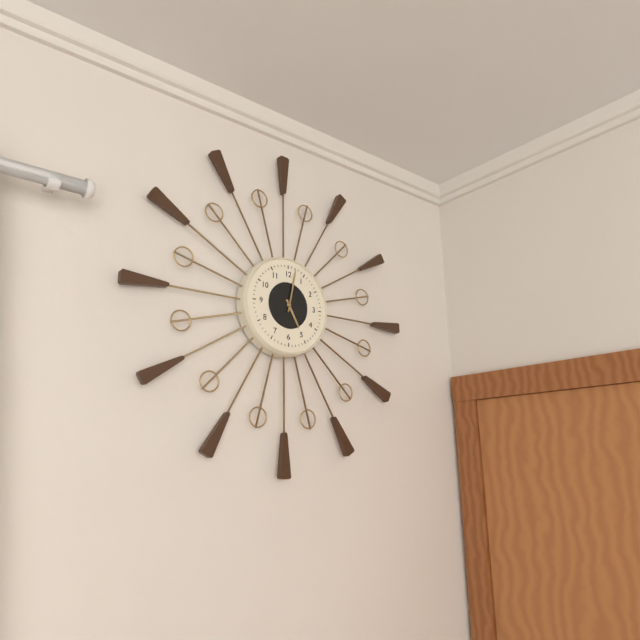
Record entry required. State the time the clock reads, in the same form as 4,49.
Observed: 5,02
